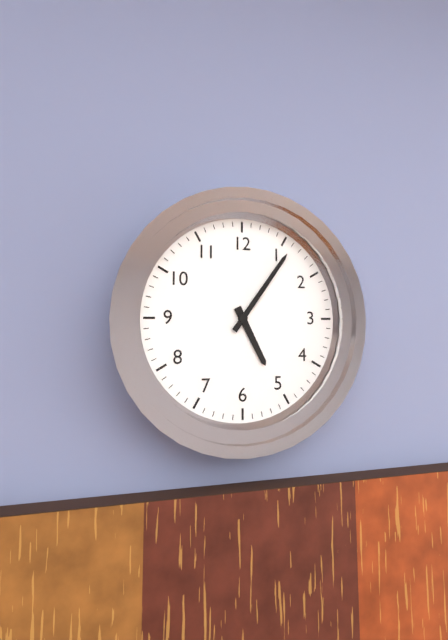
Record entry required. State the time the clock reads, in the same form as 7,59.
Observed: 5,06
